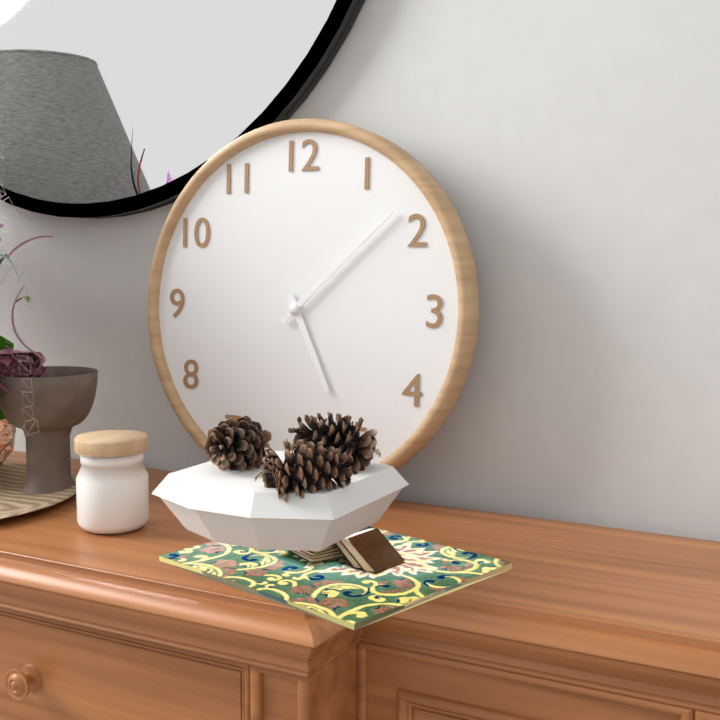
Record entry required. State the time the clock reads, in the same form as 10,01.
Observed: 5,08
